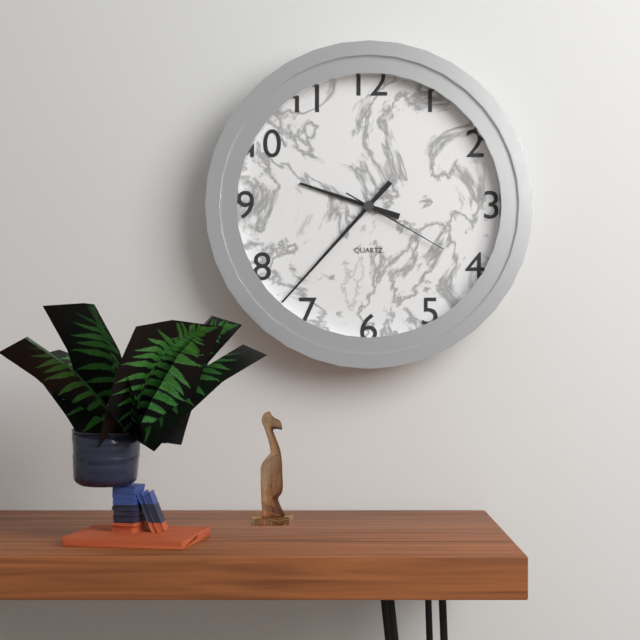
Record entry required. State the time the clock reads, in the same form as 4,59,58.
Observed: 9,37,20
